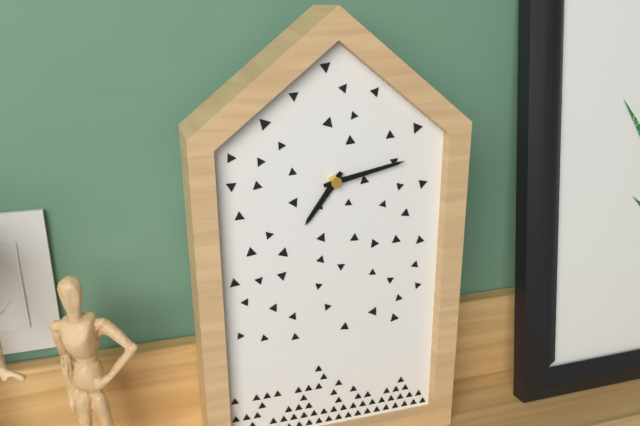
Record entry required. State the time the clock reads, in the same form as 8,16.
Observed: 7,13
